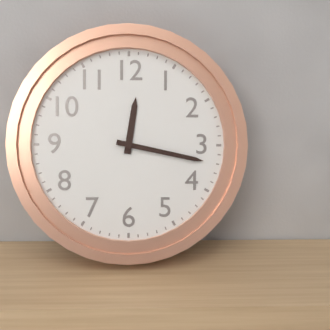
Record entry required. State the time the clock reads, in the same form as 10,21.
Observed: 12,17
